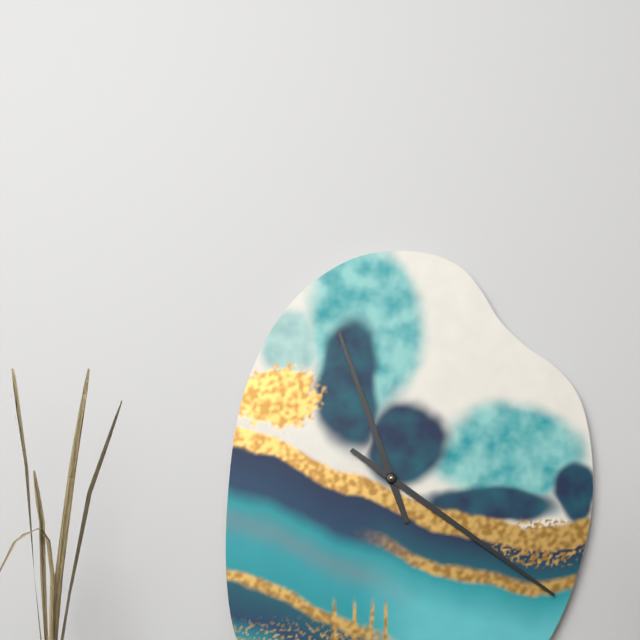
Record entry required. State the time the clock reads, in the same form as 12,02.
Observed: 11,21
